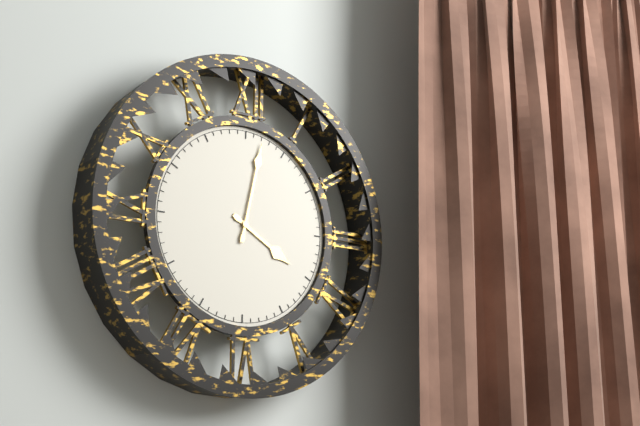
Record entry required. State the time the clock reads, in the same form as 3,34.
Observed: 4,02
